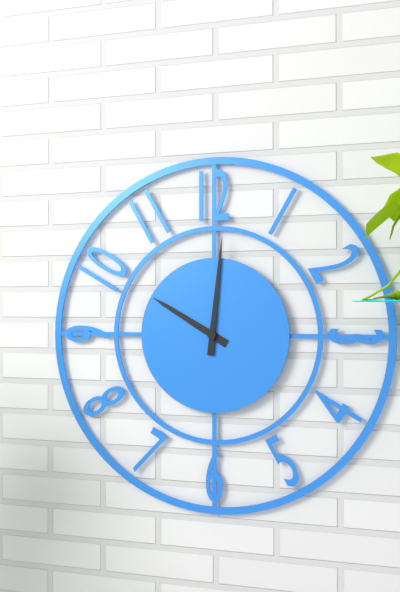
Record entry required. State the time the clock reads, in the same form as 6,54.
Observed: 10,01
